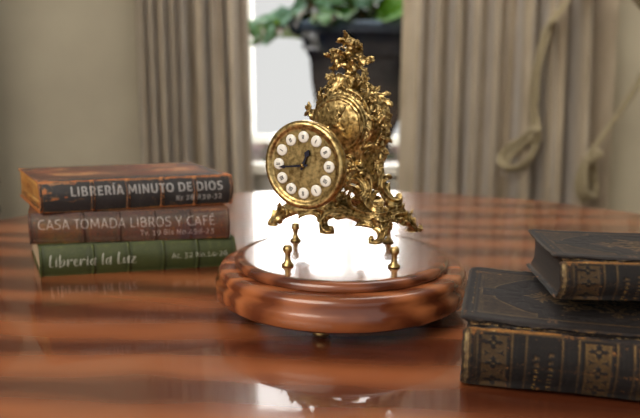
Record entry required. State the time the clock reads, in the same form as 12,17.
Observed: 12,44
